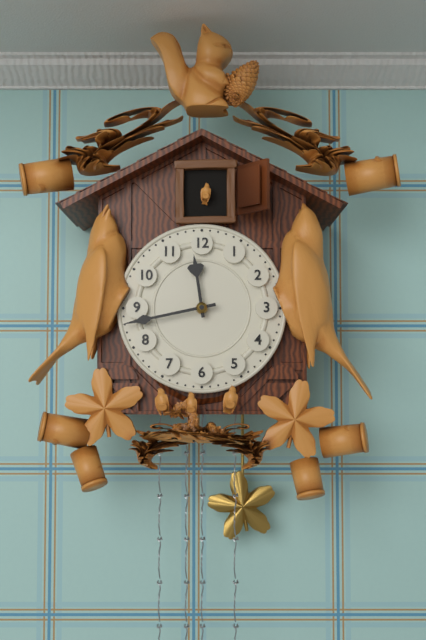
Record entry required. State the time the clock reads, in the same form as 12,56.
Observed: 11,43
